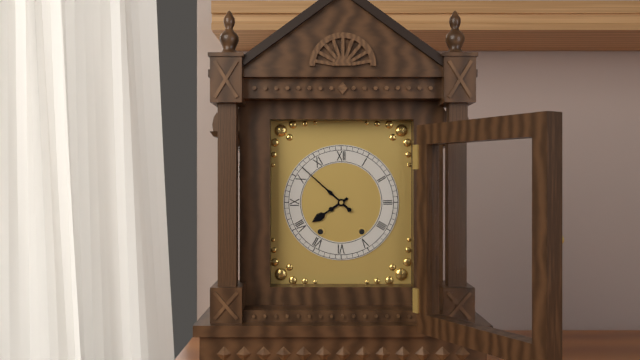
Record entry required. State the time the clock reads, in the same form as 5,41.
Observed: 7,52
